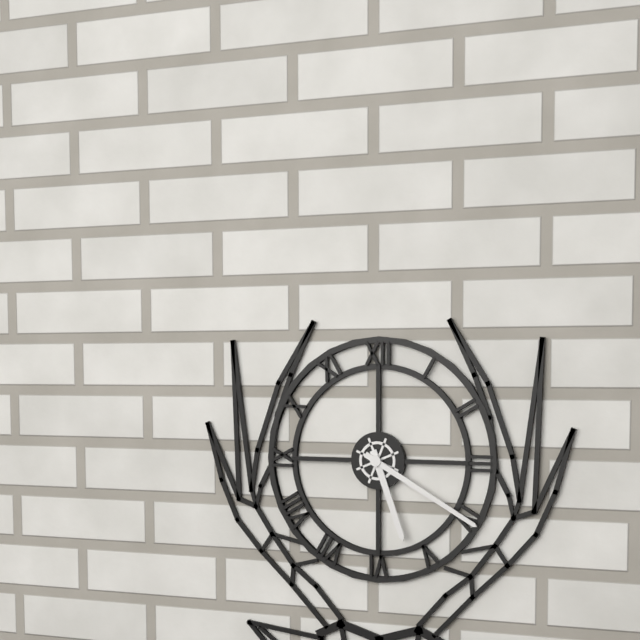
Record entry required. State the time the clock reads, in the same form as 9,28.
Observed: 5,20
